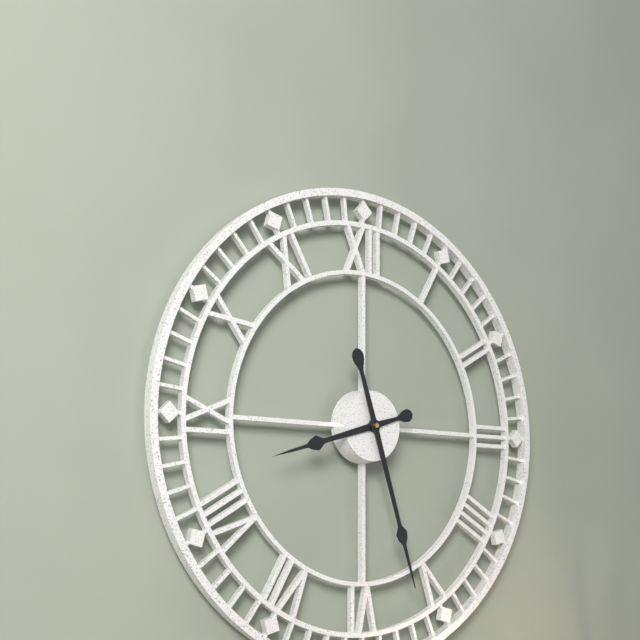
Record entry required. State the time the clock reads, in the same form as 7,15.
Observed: 8,27
